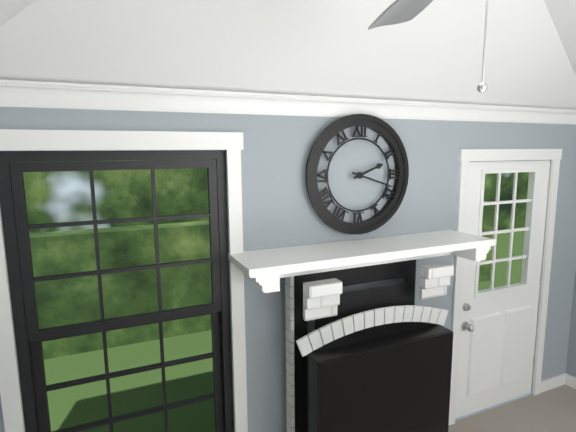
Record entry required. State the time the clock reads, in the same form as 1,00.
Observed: 2,18
